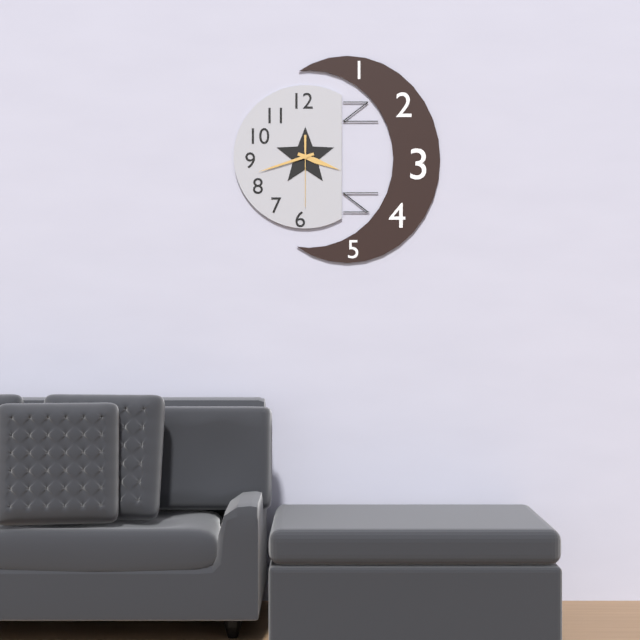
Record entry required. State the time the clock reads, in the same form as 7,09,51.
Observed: 3,42,30
